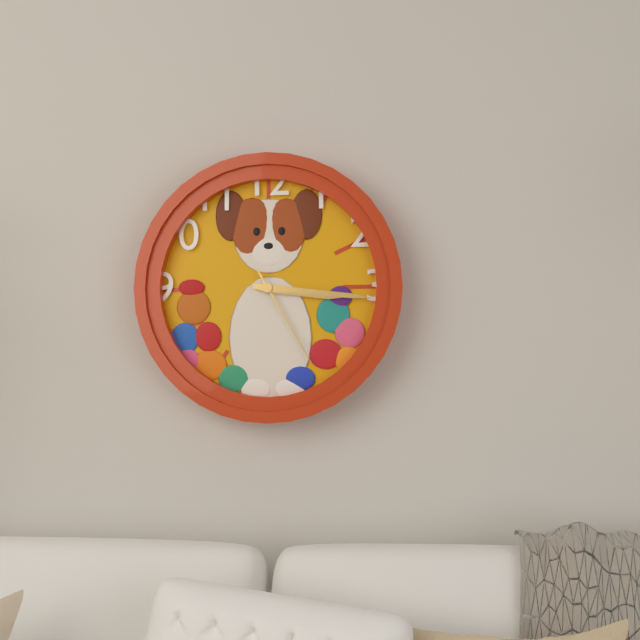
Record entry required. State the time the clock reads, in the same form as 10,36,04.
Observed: 3,16,25
